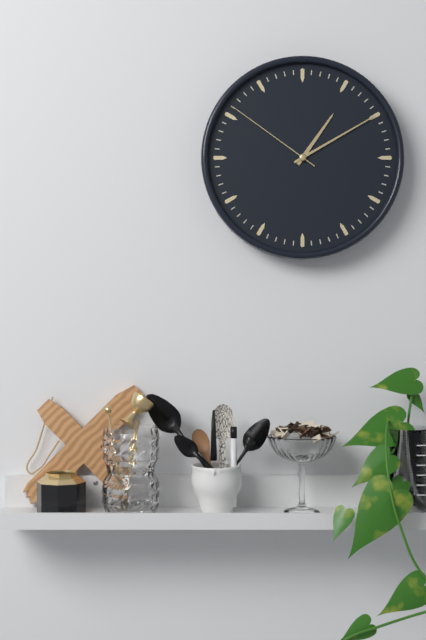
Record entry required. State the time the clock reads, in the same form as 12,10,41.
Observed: 1,10,51
